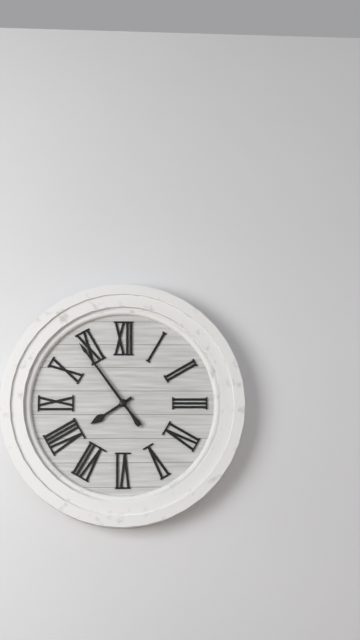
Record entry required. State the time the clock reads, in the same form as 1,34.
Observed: 7,54
